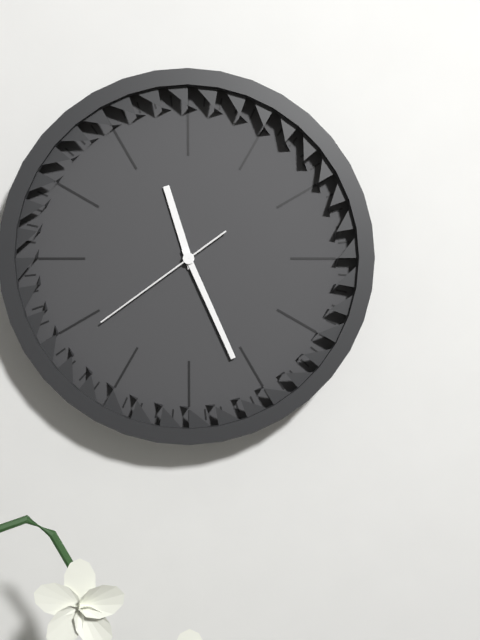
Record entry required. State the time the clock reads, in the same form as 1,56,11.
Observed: 11,26,39
